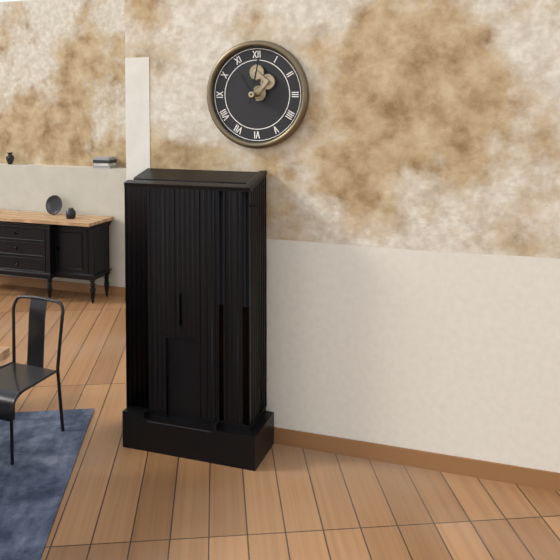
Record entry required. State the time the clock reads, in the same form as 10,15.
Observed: 11,02
